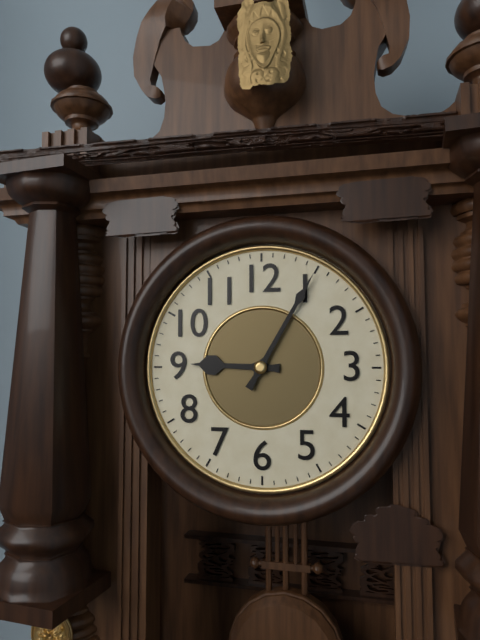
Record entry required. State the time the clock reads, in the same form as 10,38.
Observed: 9,05
